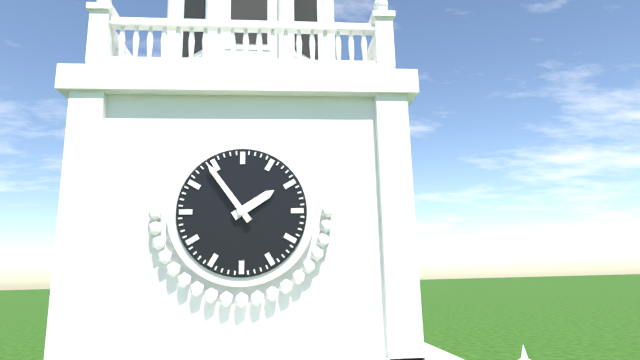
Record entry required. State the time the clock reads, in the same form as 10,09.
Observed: 1,54
